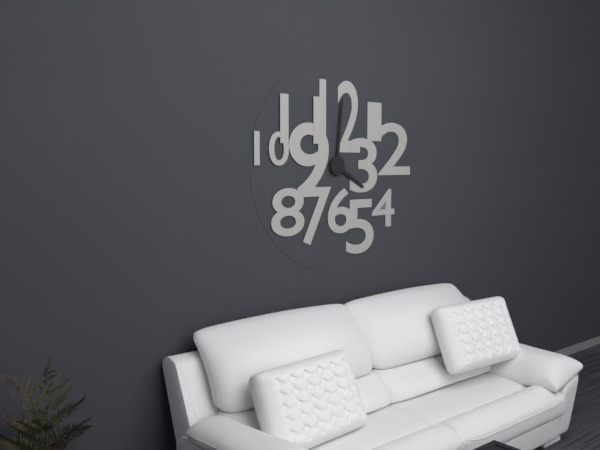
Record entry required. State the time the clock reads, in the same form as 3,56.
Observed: 4,01
